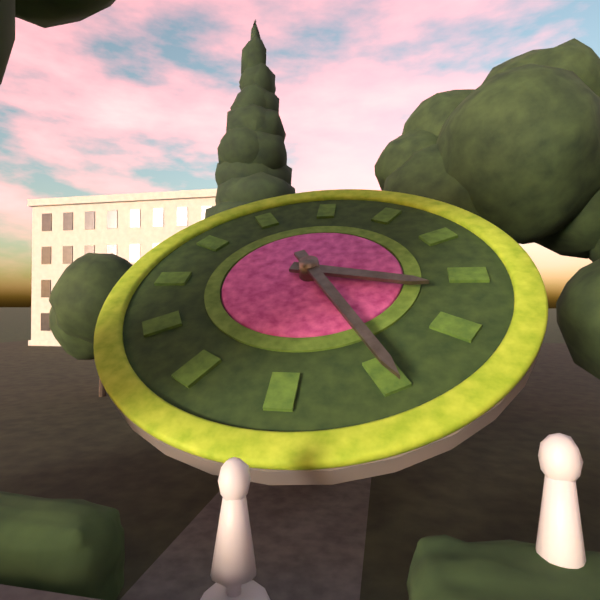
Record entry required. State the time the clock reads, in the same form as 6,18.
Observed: 3,25
